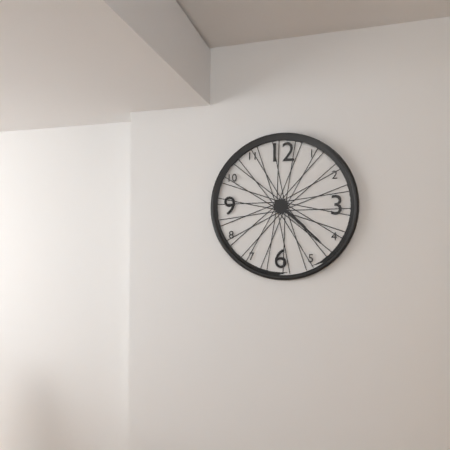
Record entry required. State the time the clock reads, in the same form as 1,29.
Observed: 4,22
